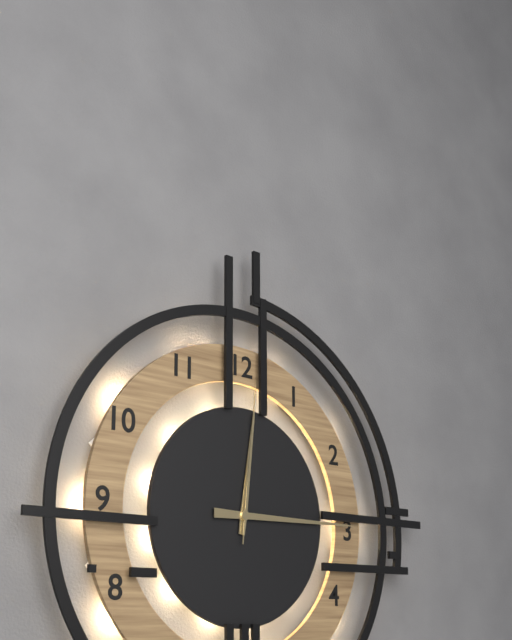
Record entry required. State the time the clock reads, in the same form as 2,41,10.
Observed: 12,15,01
